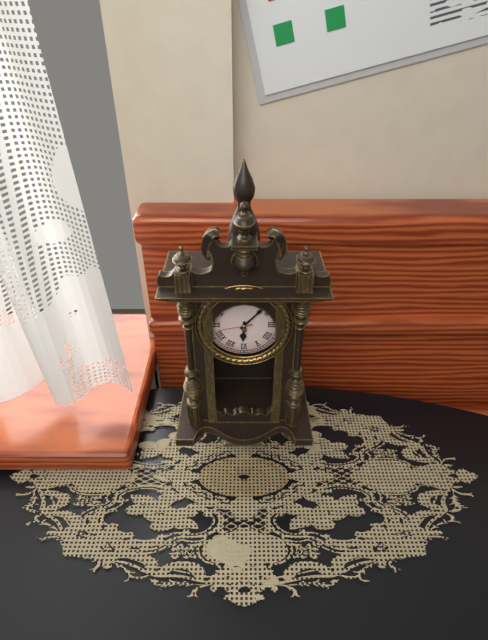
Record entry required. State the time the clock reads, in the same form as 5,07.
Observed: 6,07
